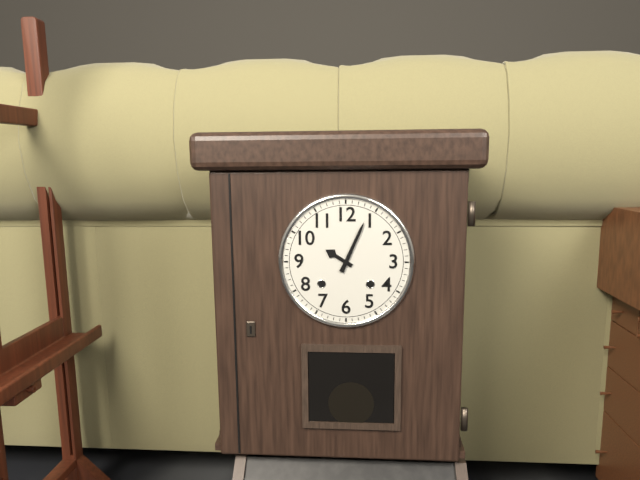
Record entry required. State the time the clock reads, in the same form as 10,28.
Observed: 10,04
